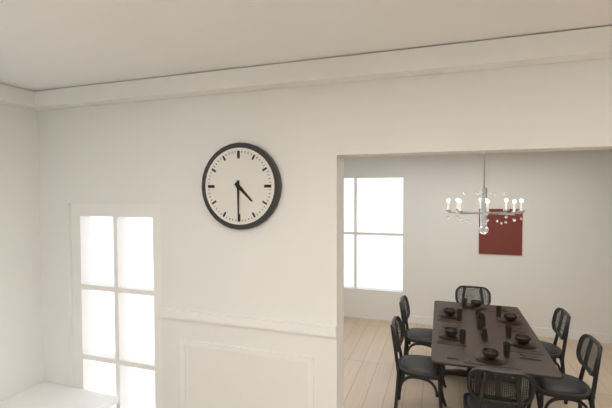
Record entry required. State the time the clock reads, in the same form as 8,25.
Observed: 4,30
